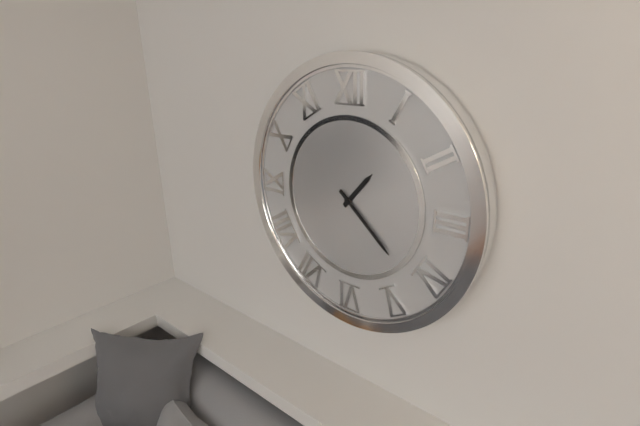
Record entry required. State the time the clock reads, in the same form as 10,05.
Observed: 1,22
